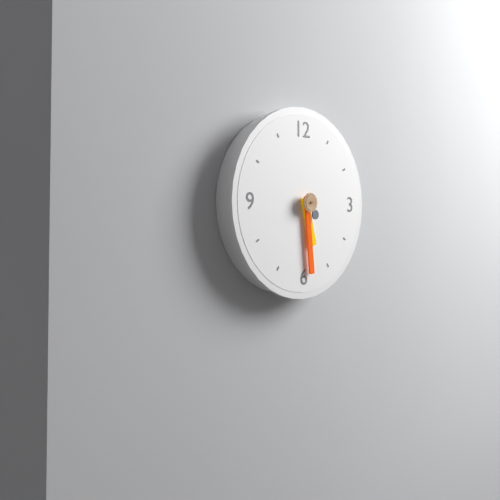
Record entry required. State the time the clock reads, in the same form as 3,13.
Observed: 5,29
